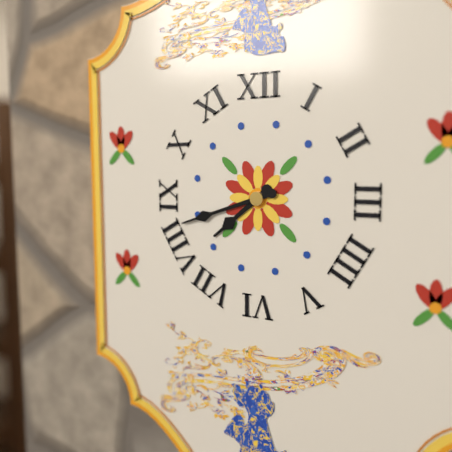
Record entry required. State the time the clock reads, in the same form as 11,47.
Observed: 7,42
